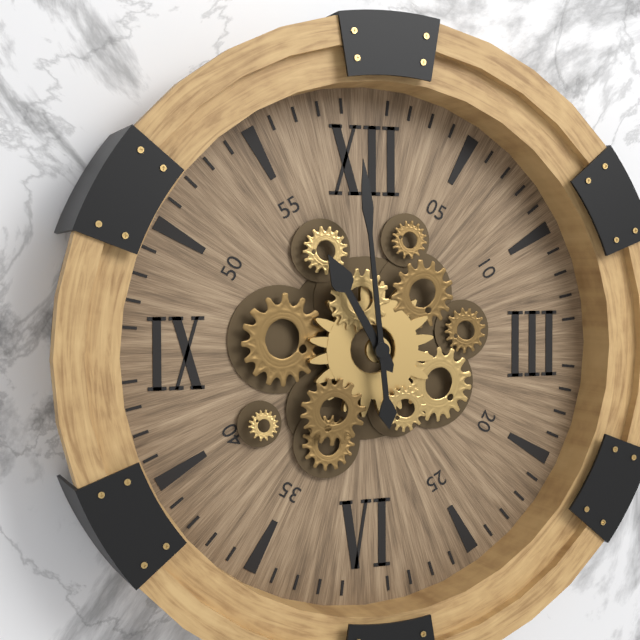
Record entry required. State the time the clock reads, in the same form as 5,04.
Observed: 10,59
